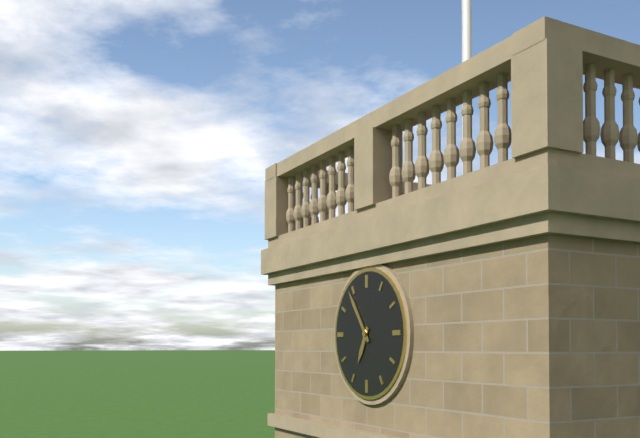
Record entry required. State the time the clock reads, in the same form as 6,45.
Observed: 6,54
